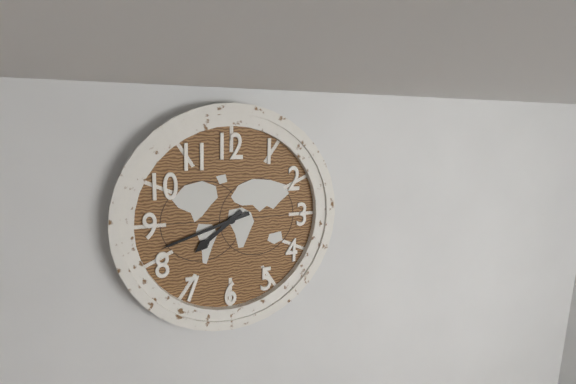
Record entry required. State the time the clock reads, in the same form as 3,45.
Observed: 7,42
